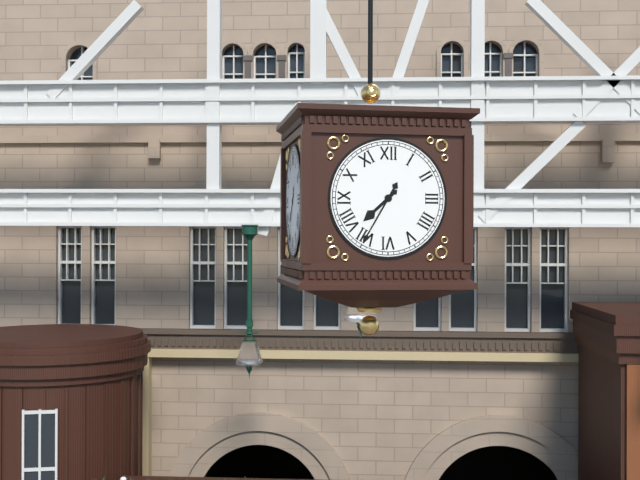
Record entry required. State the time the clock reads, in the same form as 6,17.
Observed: 7,35
